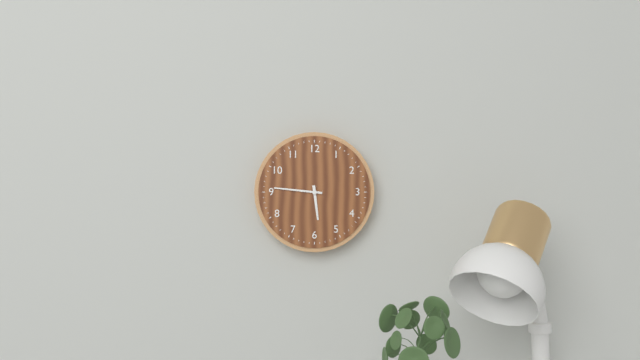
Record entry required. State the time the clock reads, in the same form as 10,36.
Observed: 5,46
